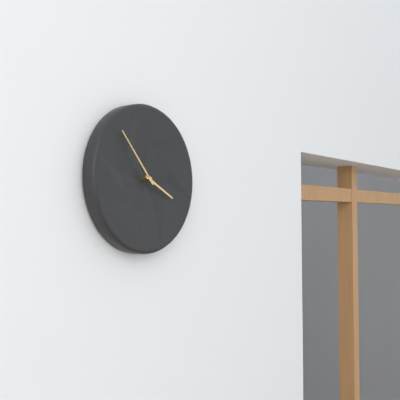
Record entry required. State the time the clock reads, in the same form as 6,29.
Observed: 3,53
